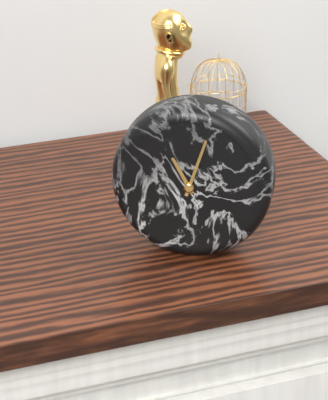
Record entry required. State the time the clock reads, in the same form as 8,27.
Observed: 11,03
